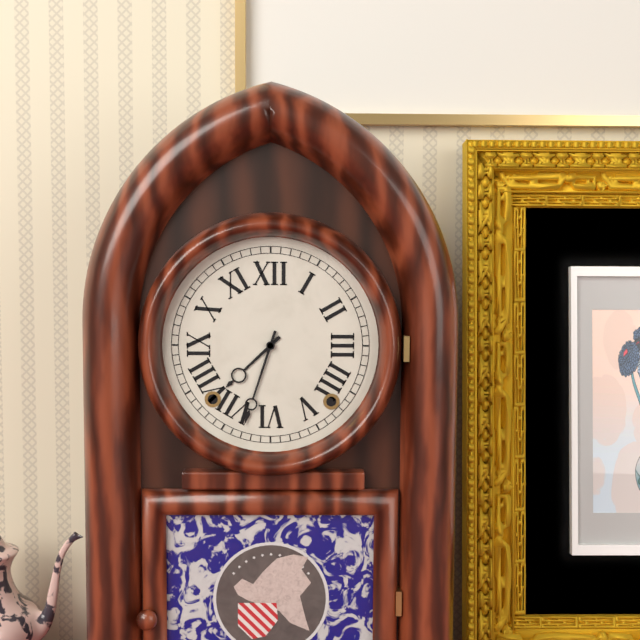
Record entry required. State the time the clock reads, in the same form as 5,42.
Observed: 7,33
